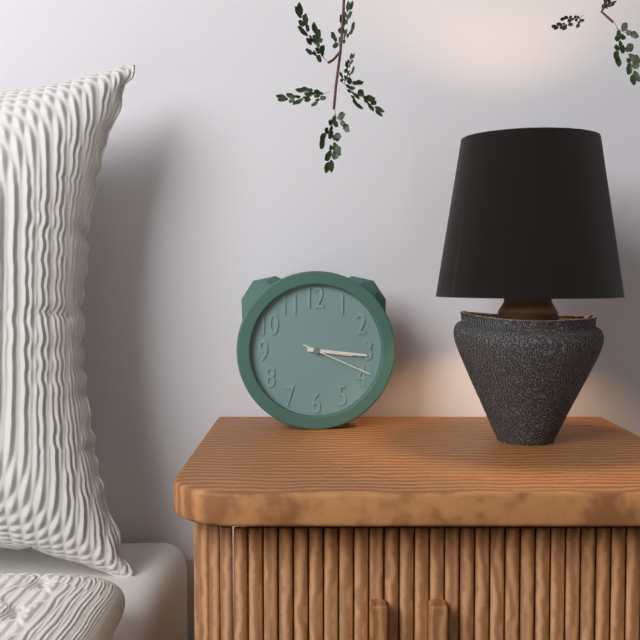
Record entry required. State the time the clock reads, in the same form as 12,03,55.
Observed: 3,16,19
